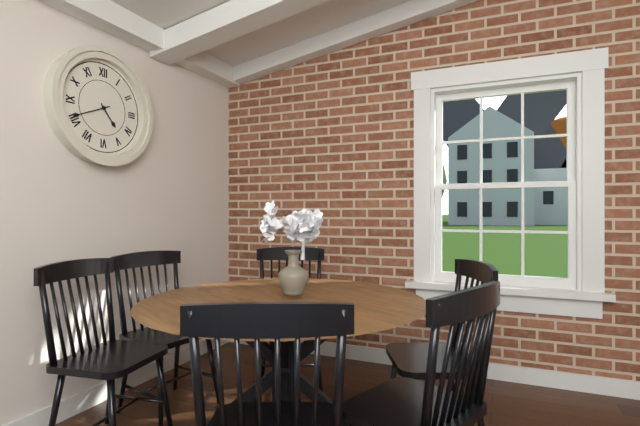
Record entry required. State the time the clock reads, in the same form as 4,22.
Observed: 4,41
